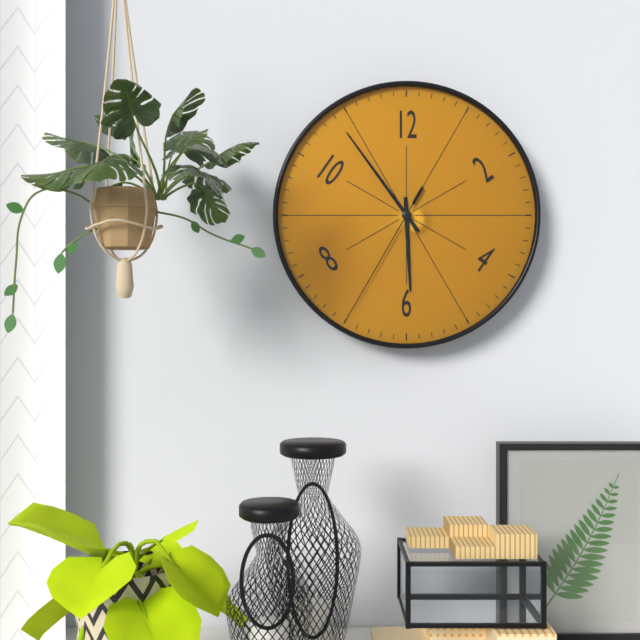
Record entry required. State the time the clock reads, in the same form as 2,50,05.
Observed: 5,54,35
